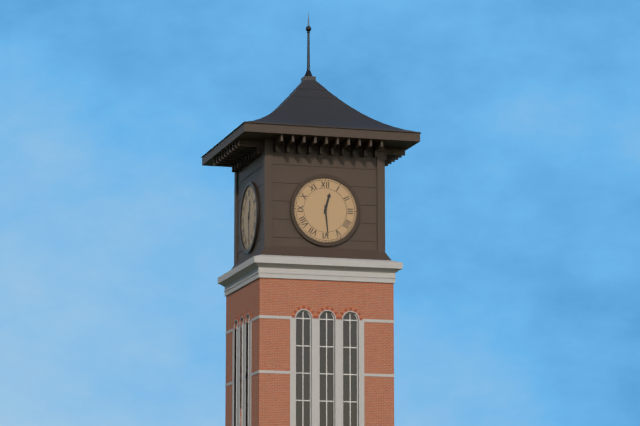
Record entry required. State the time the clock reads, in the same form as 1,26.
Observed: 12,29
